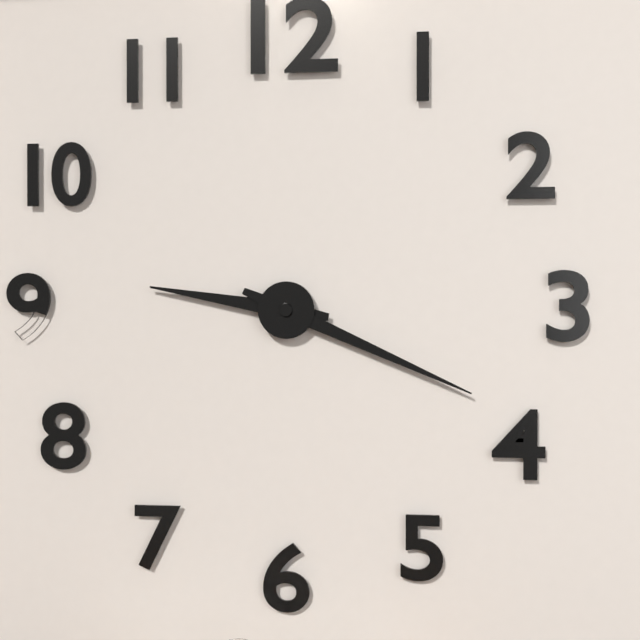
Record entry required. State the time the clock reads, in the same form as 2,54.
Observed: 9,19
